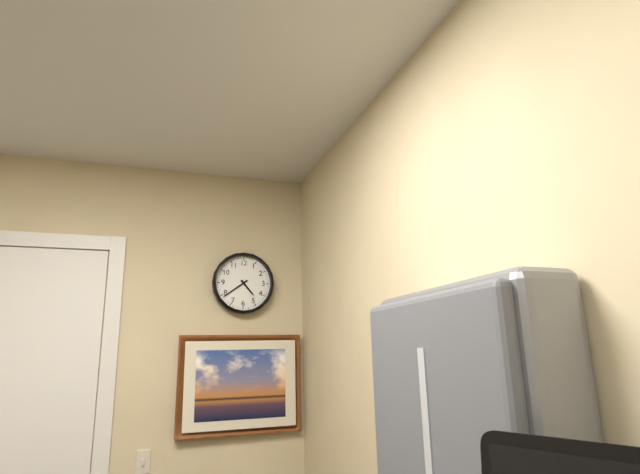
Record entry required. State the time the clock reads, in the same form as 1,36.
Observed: 4,39
